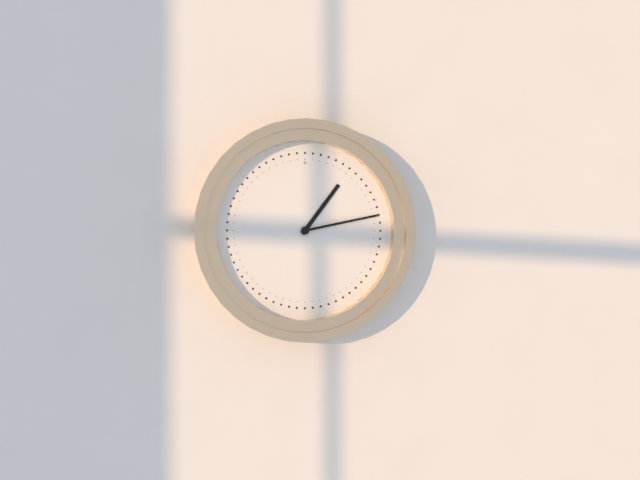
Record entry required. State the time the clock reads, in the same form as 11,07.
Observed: 1,13
